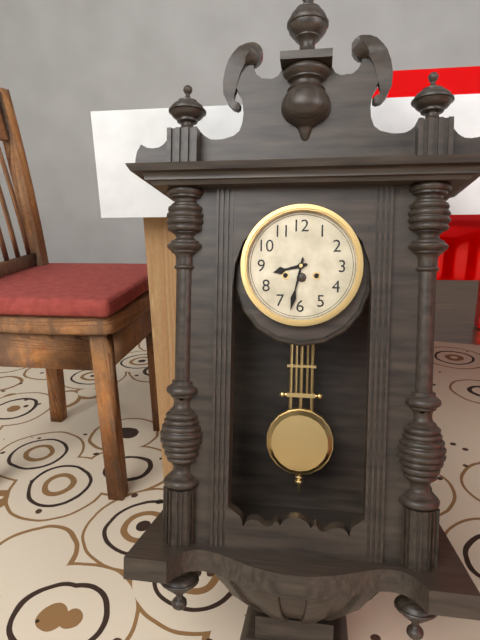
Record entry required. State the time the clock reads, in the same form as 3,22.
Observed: 8,32
